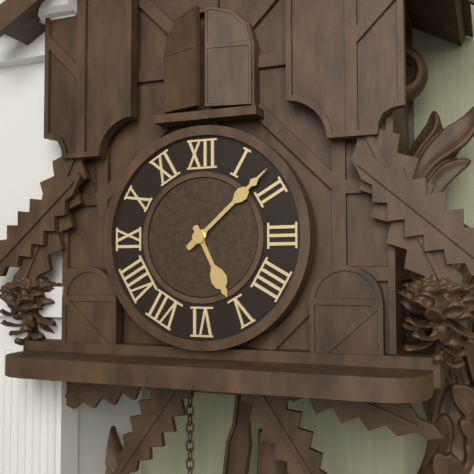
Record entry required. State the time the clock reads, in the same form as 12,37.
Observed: 5,08
